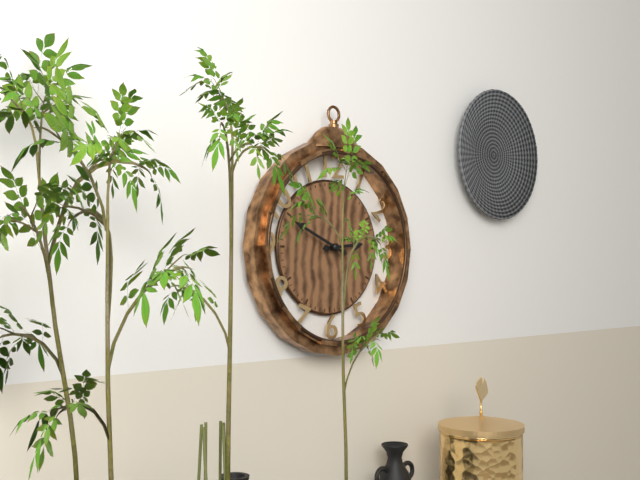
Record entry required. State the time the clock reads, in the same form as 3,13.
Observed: 2,49
